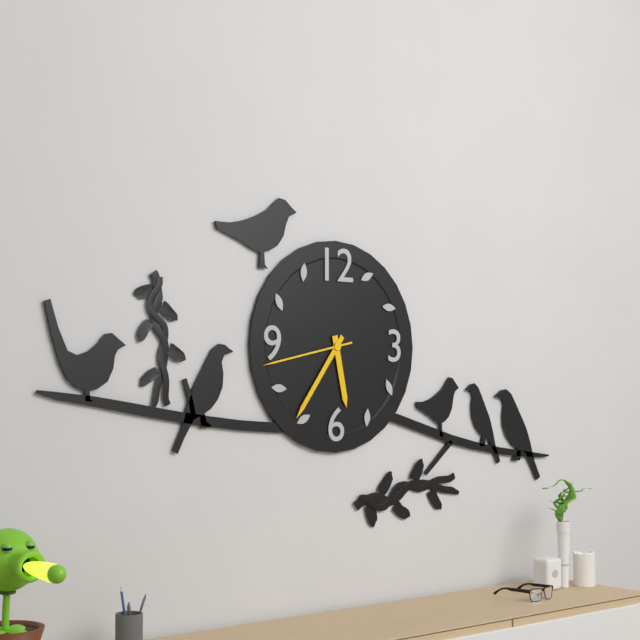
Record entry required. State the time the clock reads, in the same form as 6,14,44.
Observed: 5,36,43
